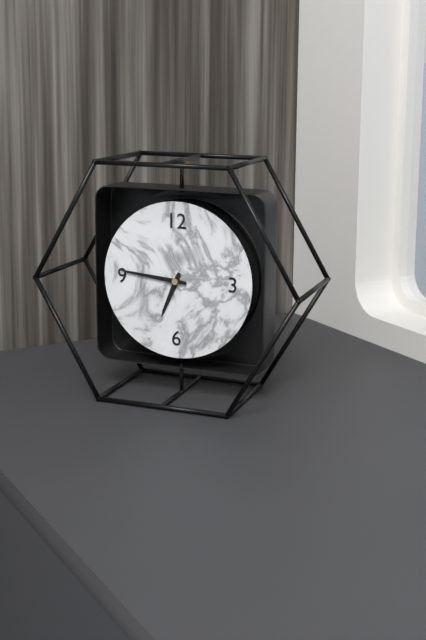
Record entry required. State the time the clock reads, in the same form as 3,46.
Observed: 6,46
